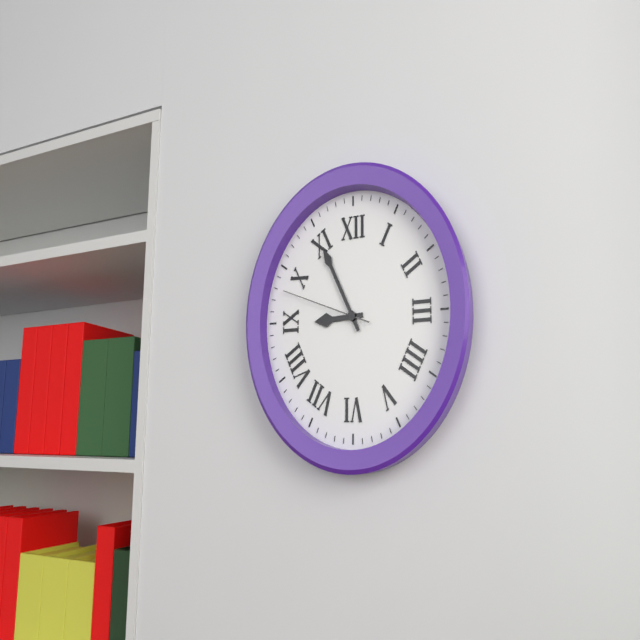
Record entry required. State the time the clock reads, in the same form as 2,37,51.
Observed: 8,55,48
